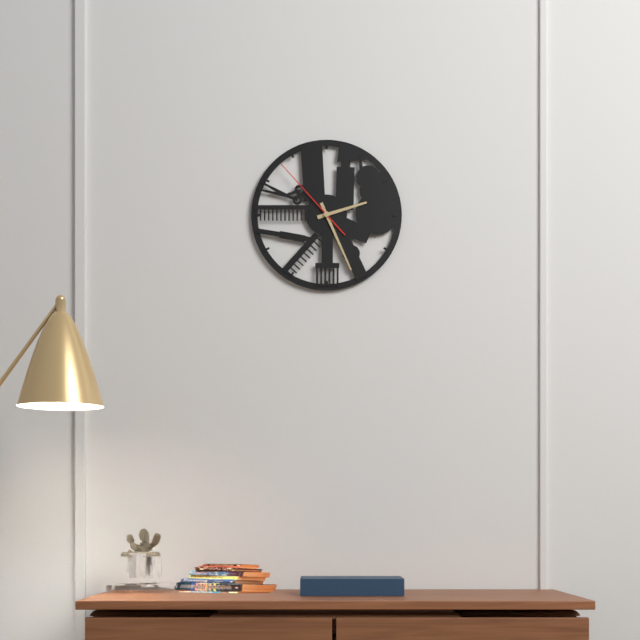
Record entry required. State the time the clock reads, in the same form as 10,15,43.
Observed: 2,26,53
